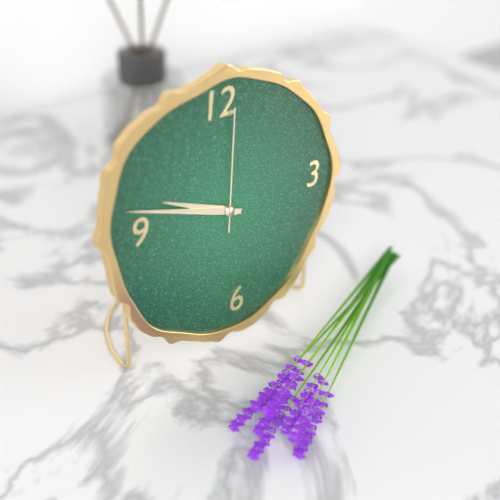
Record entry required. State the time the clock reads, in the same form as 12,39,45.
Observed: 9,48,01
